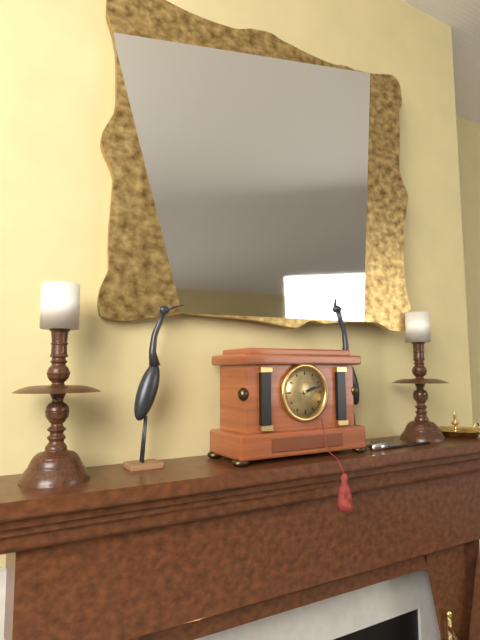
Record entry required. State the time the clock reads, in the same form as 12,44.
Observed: 2,12
